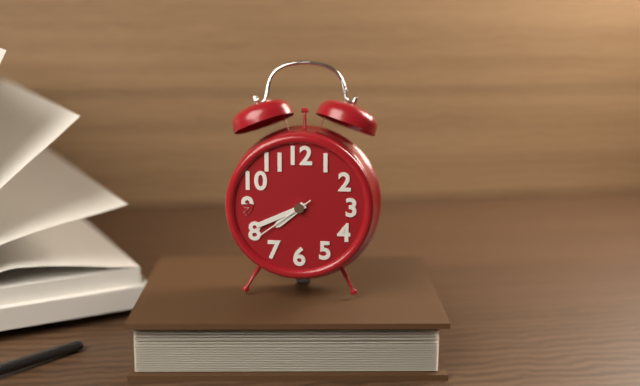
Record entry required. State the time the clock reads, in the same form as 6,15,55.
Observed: 7,41,39
